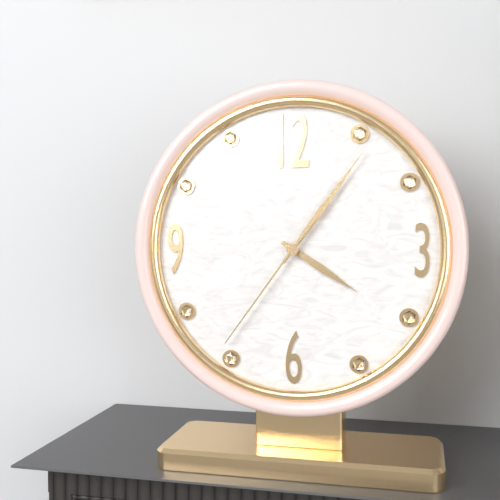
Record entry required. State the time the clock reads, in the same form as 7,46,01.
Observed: 4,06,36
